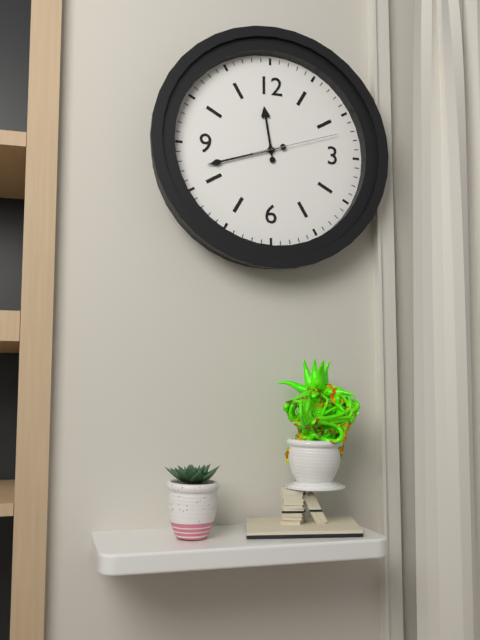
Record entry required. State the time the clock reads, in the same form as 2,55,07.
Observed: 11,42,12
